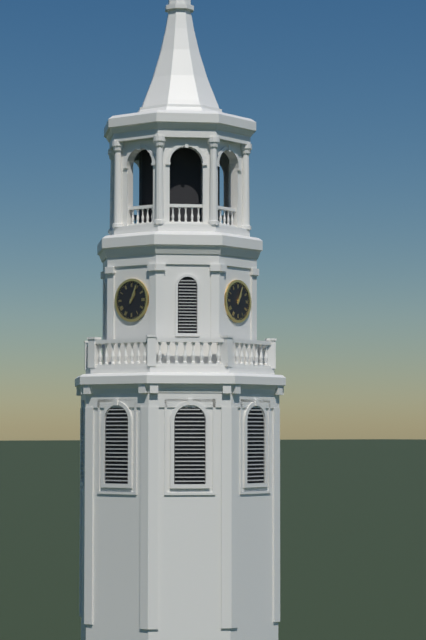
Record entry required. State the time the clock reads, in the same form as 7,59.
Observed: 1,04
